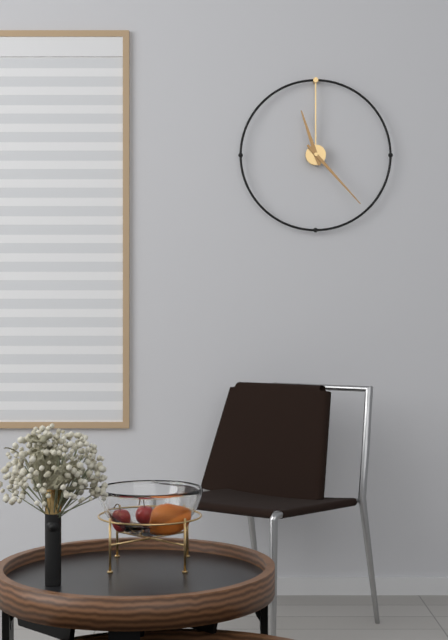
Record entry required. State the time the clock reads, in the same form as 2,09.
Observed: 11,23
